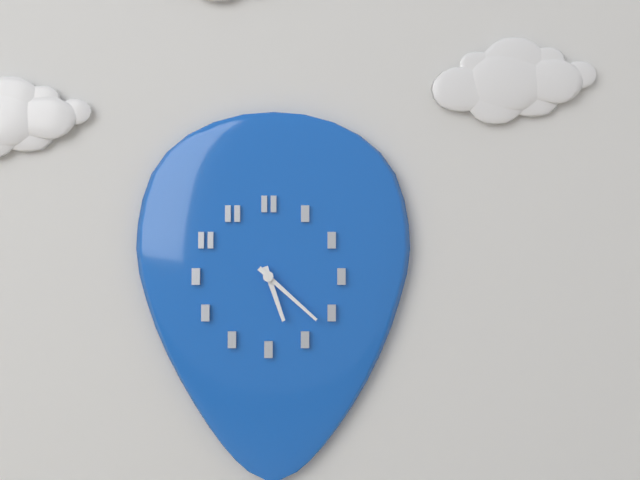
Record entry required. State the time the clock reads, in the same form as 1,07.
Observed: 5,22
